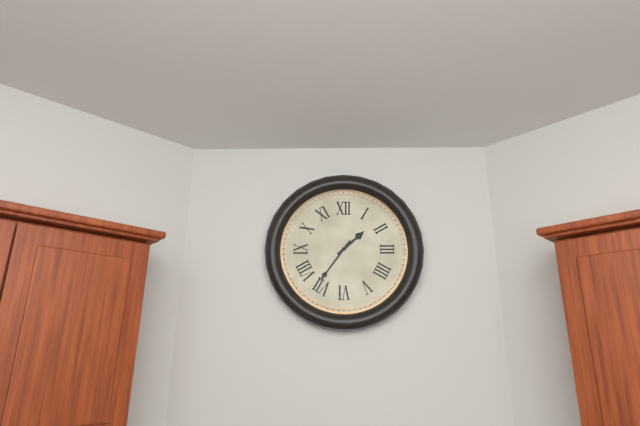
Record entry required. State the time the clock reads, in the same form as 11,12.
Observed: 1,36
